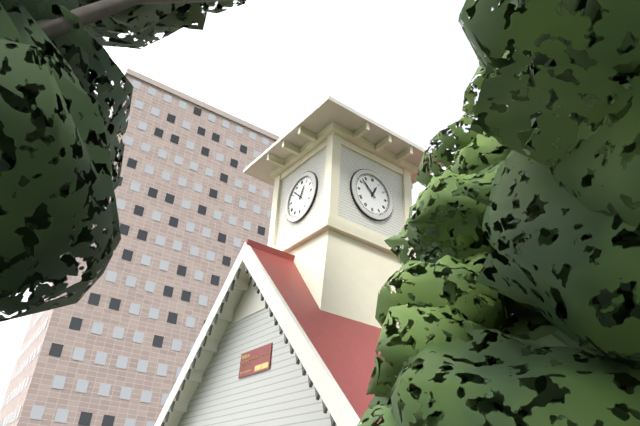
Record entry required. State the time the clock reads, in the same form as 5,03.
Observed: 12,52
